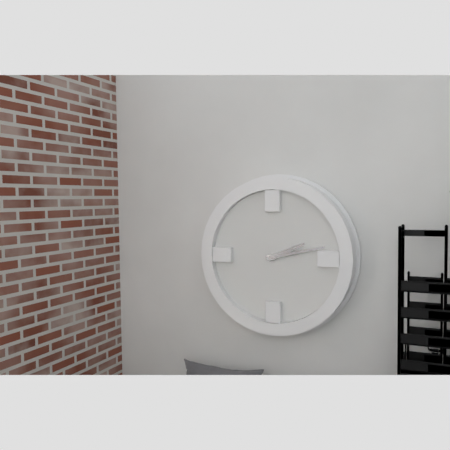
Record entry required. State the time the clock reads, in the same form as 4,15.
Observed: 2,13
